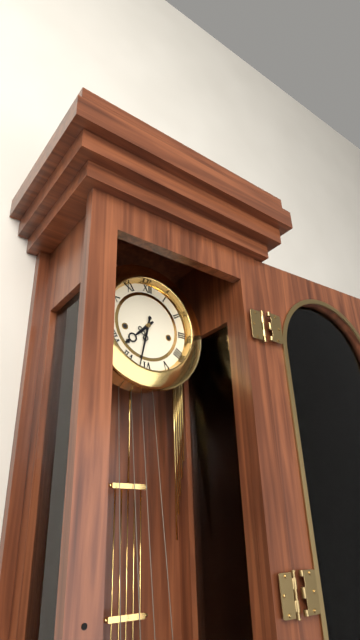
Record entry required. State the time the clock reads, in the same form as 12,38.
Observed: 7,32
